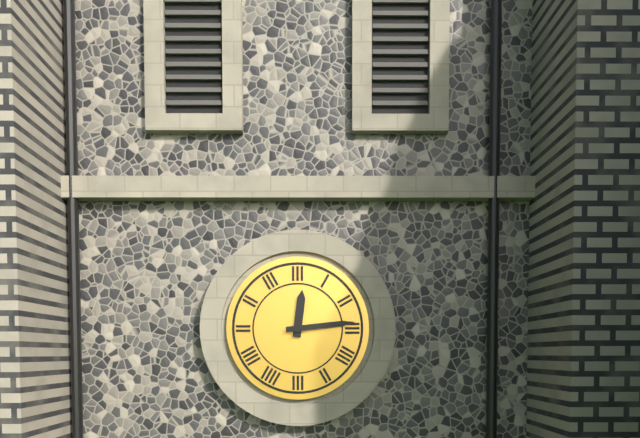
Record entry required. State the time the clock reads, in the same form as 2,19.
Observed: 12,14
